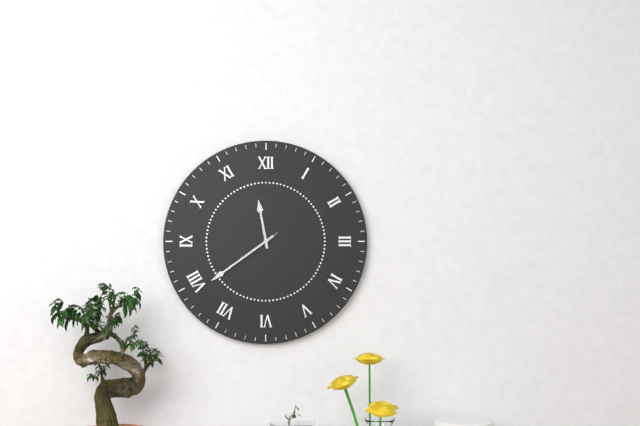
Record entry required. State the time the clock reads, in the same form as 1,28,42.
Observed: 11,39,39
